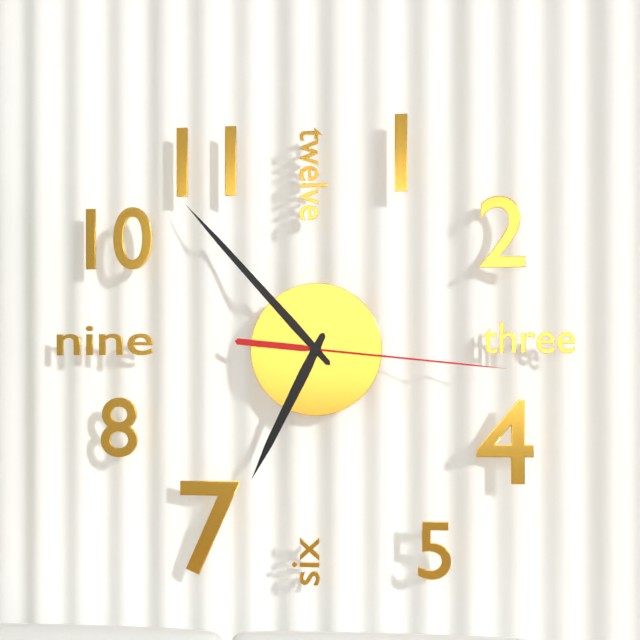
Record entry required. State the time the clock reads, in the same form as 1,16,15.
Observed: 6,53,16
